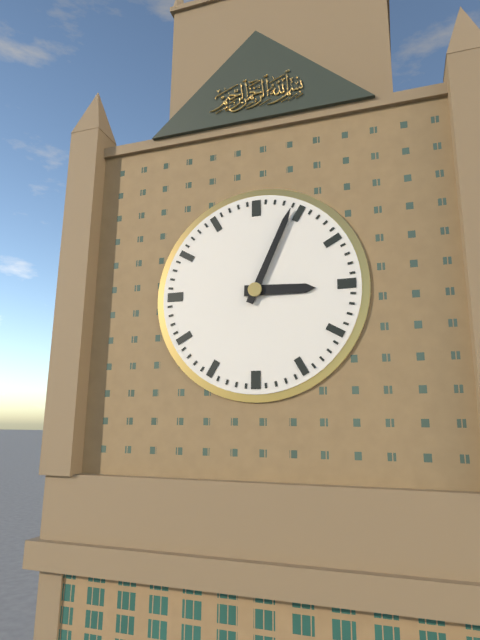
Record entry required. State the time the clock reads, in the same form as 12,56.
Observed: 3,04
